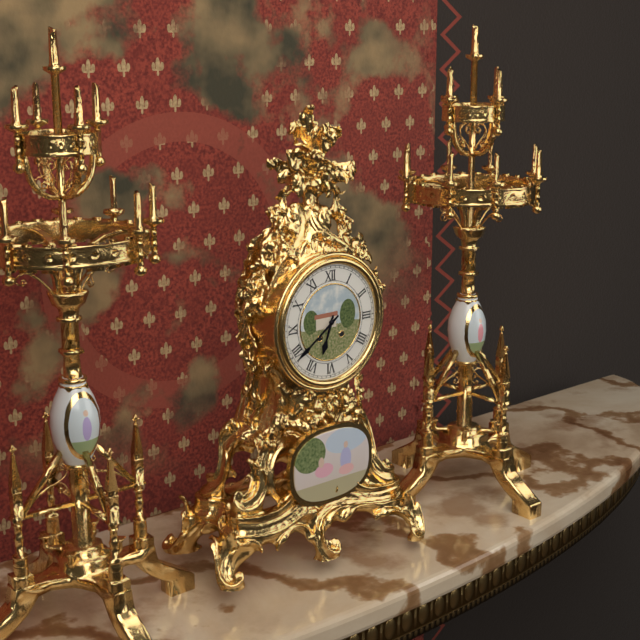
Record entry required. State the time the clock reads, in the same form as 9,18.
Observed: 6,39
